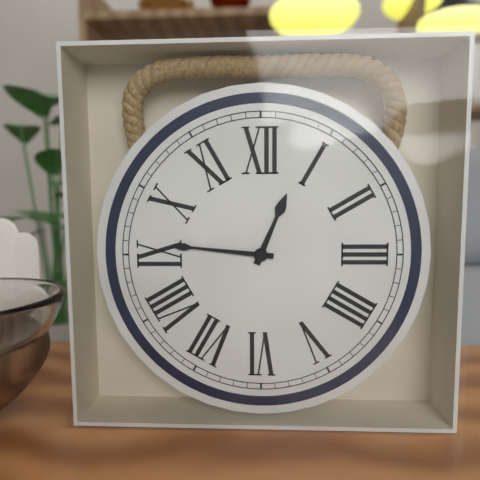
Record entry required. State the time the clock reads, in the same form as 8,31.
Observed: 12,46
